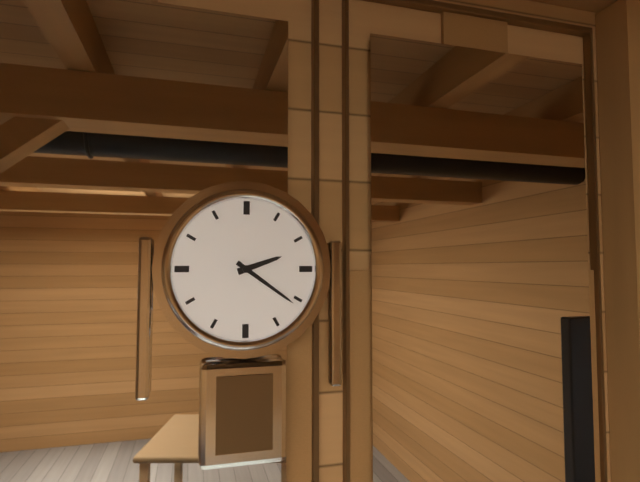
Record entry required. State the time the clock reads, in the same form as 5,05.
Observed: 2,21
